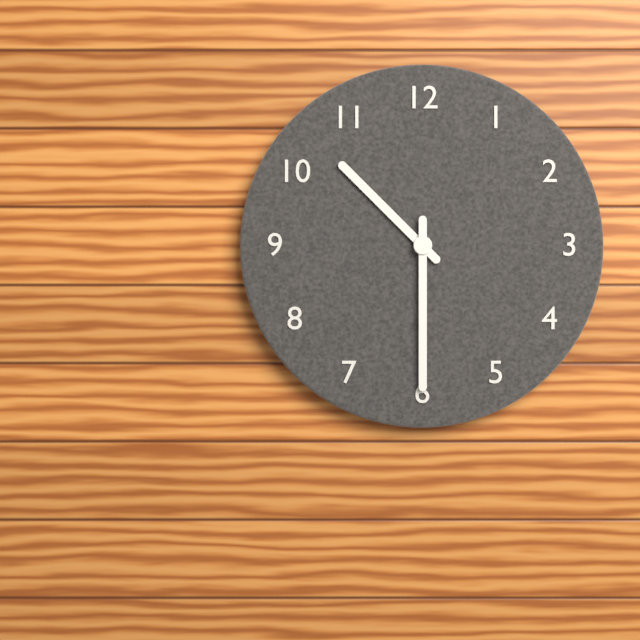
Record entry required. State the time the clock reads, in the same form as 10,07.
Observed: 10,30
